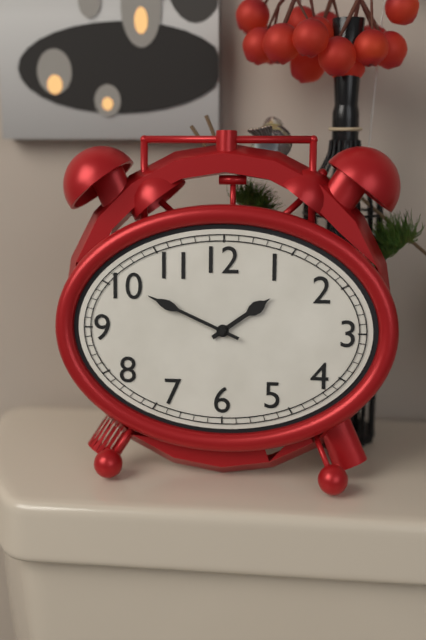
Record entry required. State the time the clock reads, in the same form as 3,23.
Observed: 1,49
